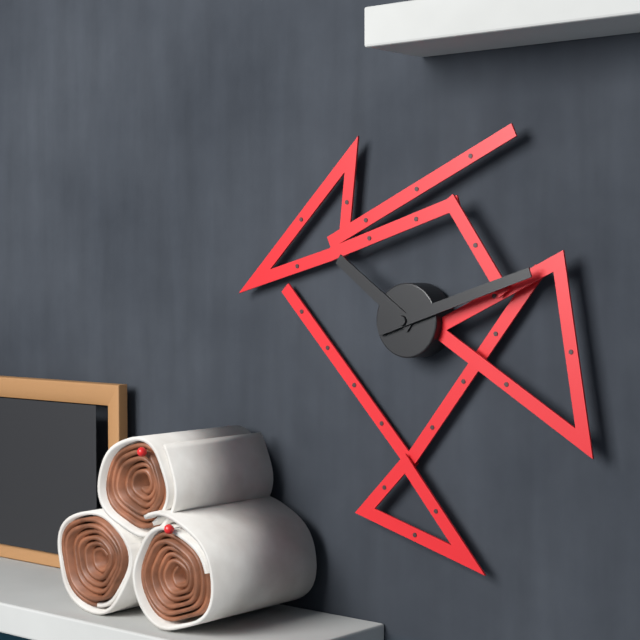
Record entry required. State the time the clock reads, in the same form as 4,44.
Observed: 10,12
